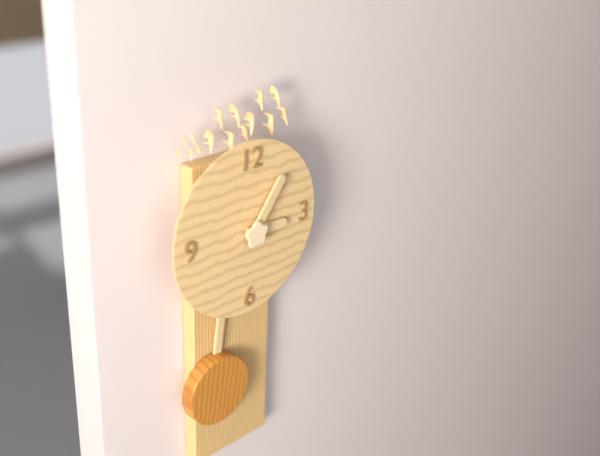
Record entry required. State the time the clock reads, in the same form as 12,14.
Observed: 3,06
